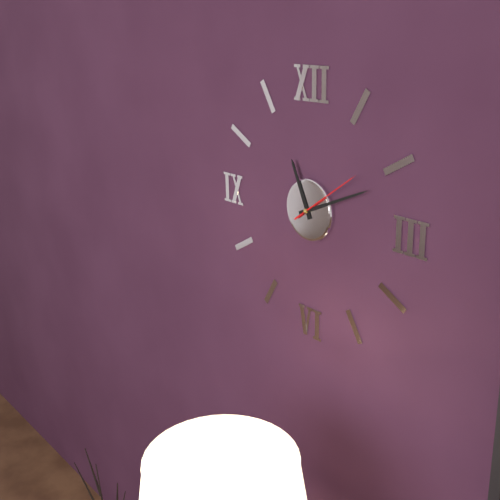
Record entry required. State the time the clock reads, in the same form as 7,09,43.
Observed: 11,11,09
